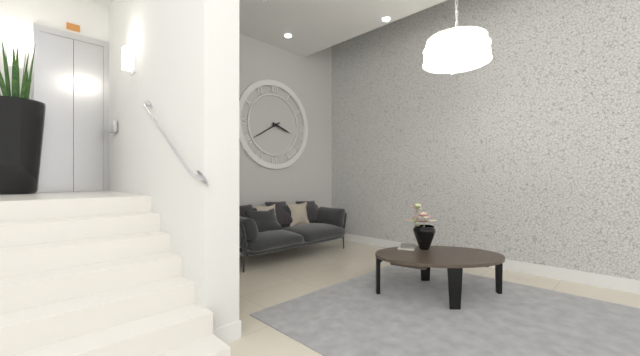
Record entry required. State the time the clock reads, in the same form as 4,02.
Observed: 3,40
